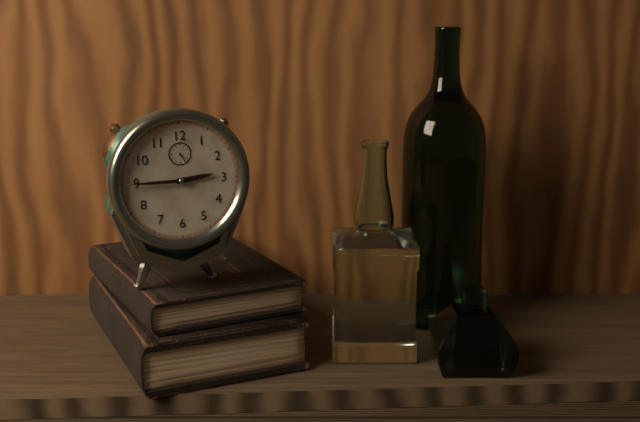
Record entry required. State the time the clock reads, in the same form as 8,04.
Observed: 2,45
